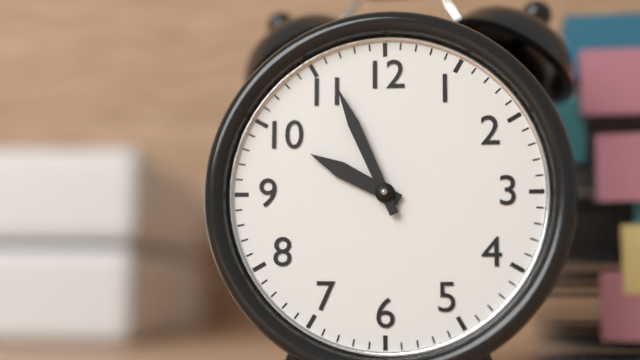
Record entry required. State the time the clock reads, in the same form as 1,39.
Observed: 9,56
